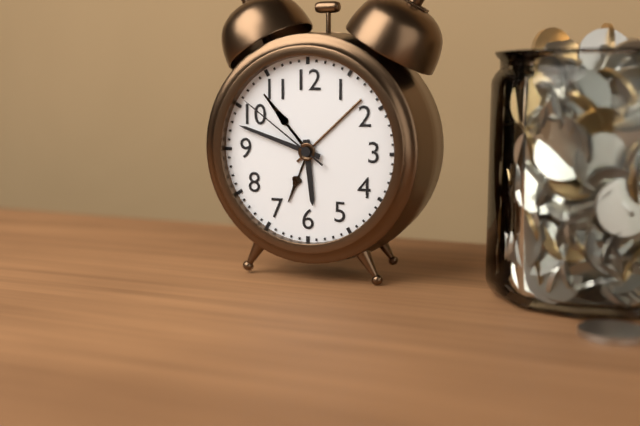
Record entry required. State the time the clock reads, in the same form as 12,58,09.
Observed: 5,48,51
